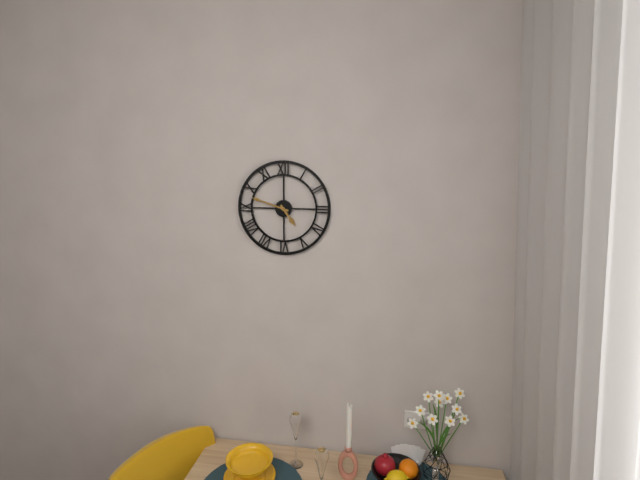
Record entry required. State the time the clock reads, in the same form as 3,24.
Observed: 4,48
